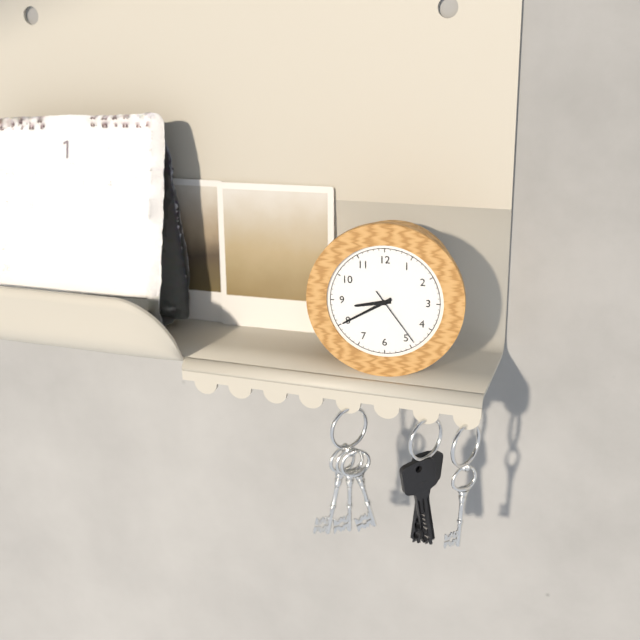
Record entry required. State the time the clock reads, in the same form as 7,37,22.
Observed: 8,40,24
